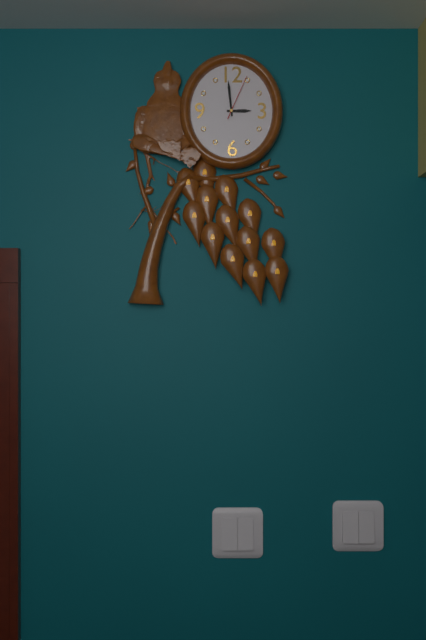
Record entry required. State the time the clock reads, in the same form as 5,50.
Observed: 2,59
